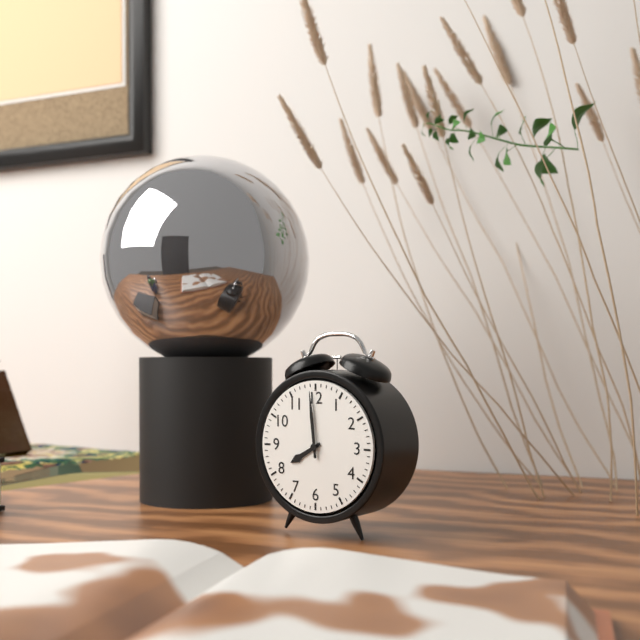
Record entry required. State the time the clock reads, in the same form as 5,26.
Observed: 7,59
